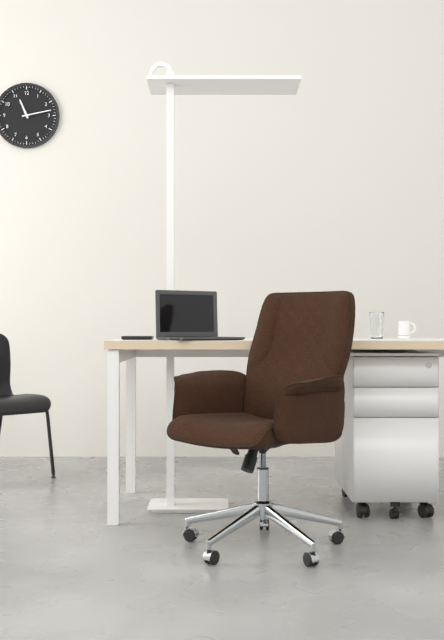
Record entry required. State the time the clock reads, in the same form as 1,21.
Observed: 11,13
